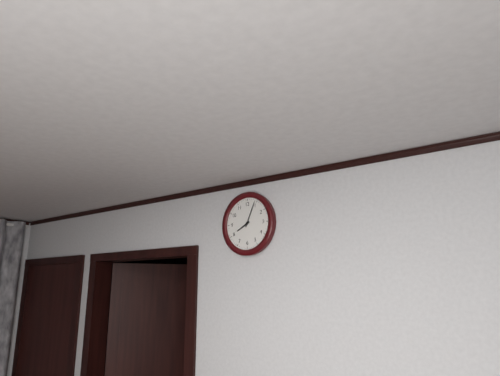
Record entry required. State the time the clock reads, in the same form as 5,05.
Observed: 8,04
